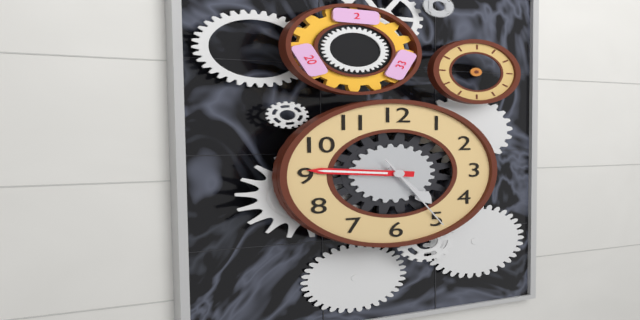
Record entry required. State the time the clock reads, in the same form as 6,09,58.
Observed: 4,46,25
